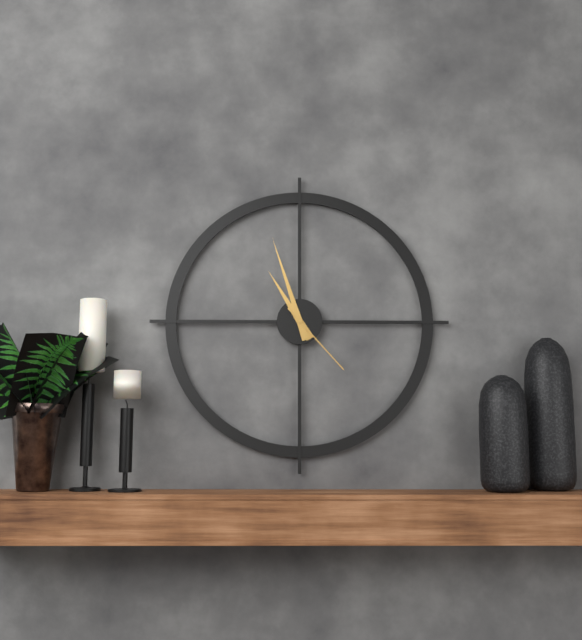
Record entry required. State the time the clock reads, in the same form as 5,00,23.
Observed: 10,57,23
